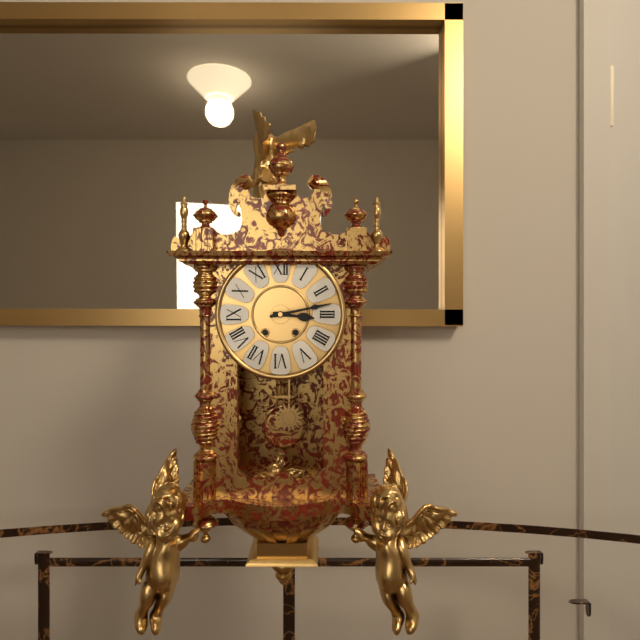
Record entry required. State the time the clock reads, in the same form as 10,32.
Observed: 3,13
